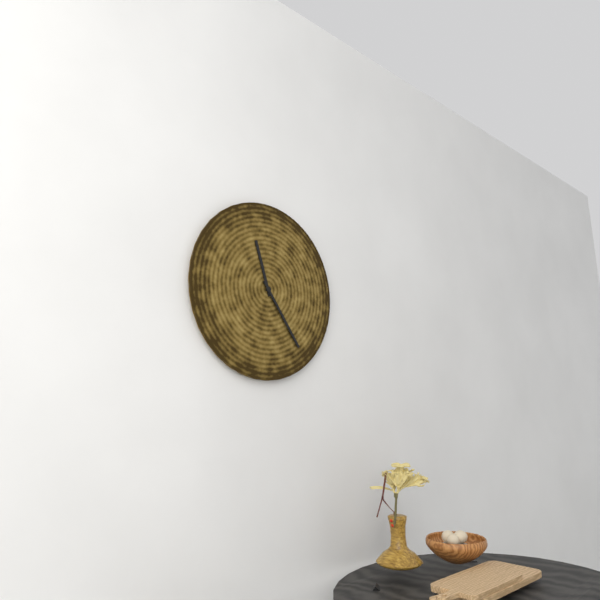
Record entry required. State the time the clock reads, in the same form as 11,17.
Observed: 11,24
